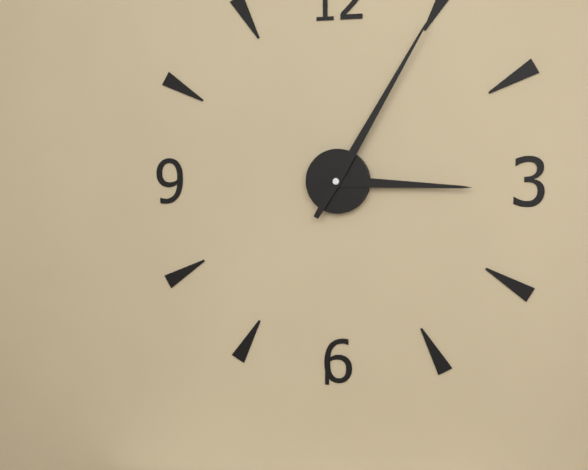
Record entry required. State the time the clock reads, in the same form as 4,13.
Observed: 3,05
